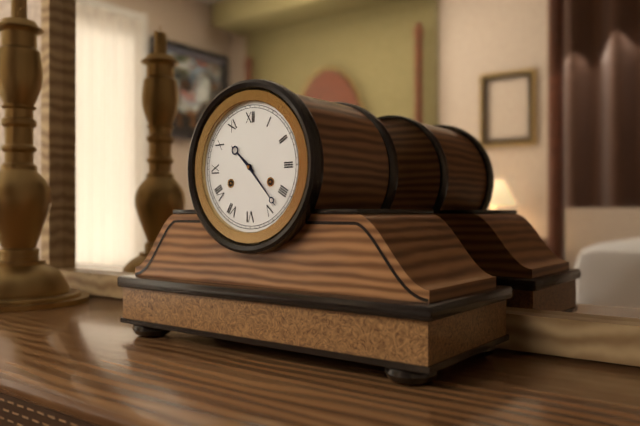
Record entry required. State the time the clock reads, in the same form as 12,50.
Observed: 10,23
